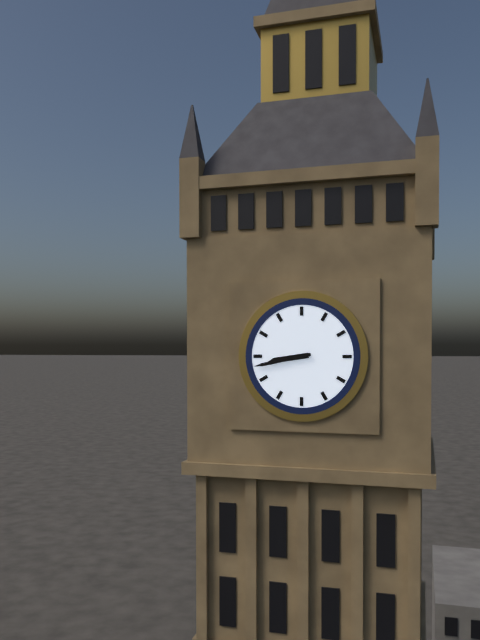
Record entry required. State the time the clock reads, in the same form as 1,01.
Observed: 8,43
